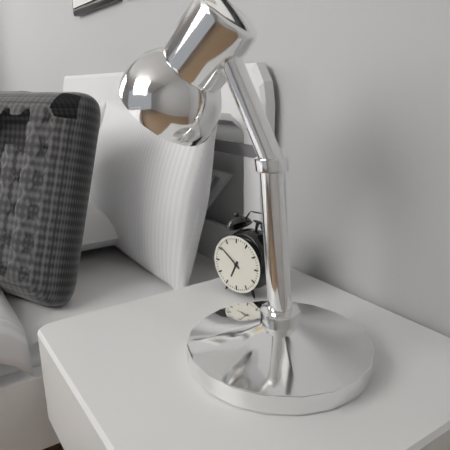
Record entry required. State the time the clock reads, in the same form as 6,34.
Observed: 6,51
